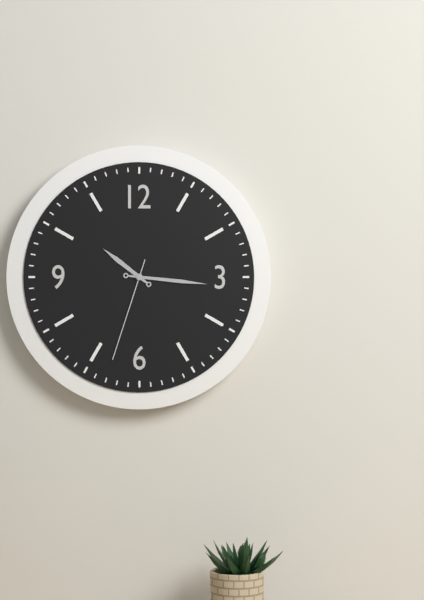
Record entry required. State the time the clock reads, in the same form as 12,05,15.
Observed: 10,16,33
